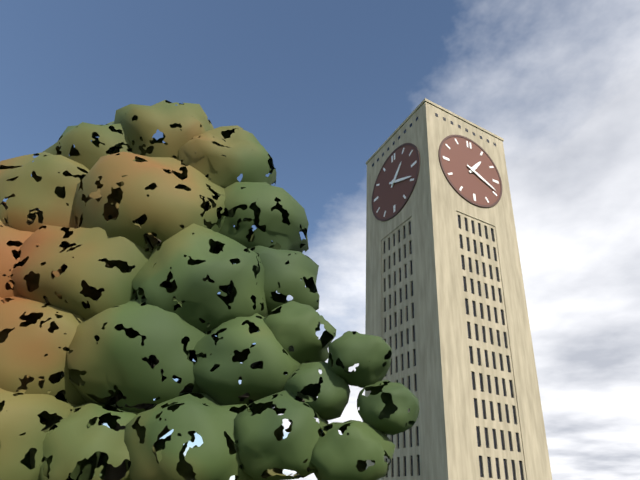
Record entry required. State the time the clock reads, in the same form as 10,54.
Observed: 1,19
